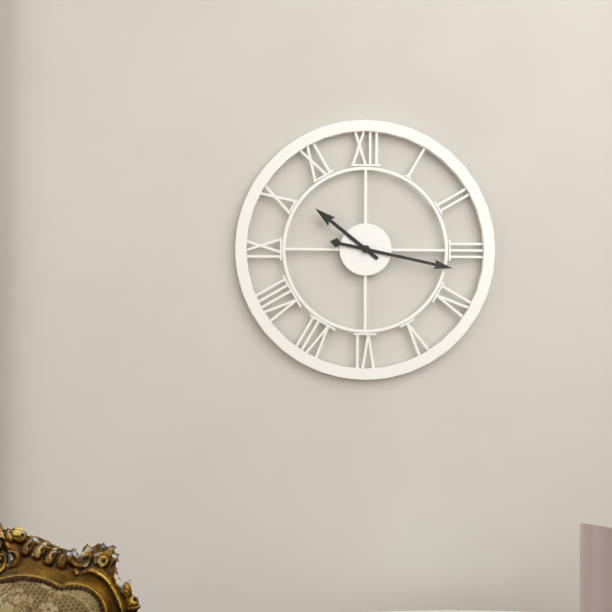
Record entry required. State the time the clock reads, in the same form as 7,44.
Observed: 10,17
